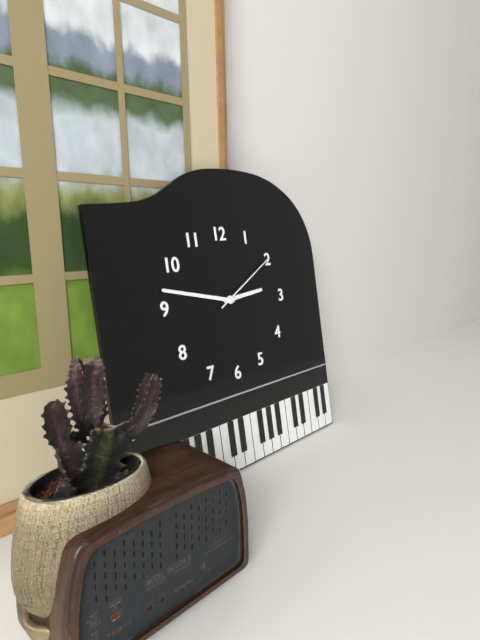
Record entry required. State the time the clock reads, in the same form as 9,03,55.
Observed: 2,47,10
